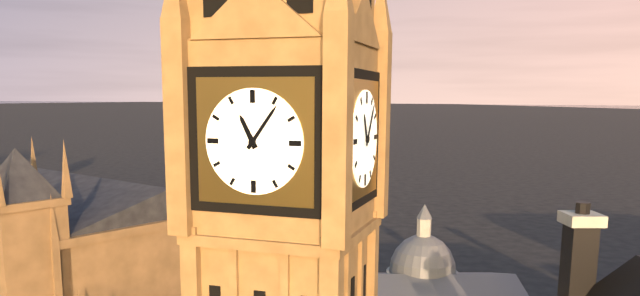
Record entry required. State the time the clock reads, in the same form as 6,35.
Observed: 11,06
